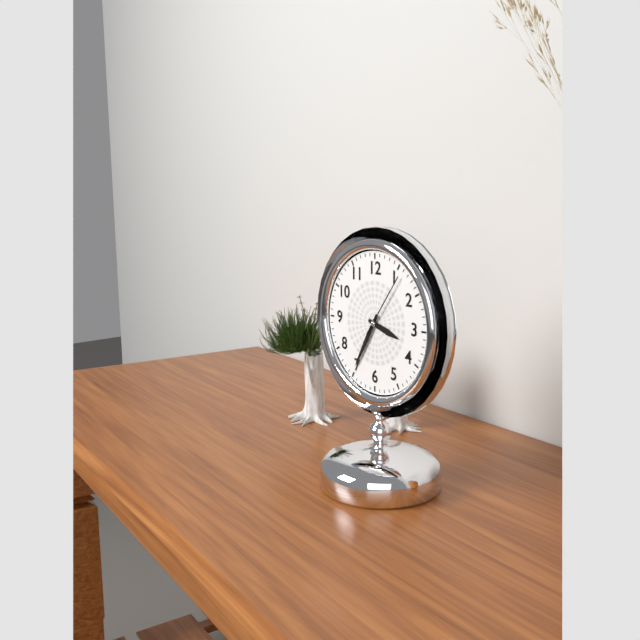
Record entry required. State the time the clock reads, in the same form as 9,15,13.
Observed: 3,35,06
